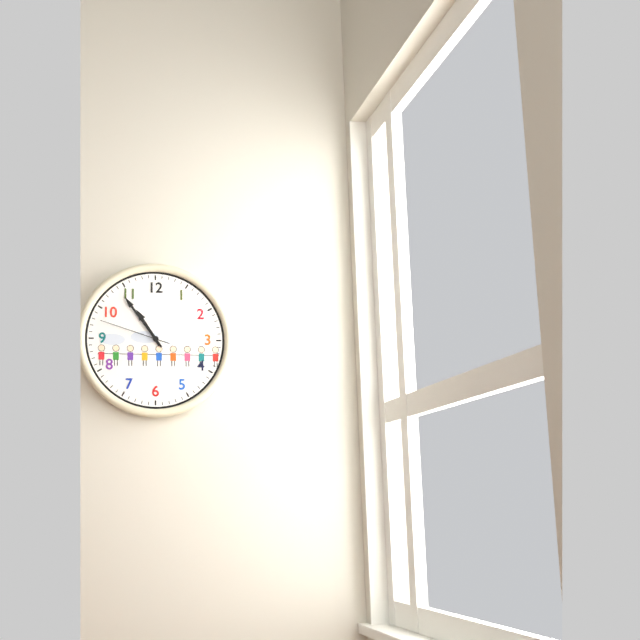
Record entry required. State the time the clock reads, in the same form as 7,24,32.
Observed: 10,54,48
